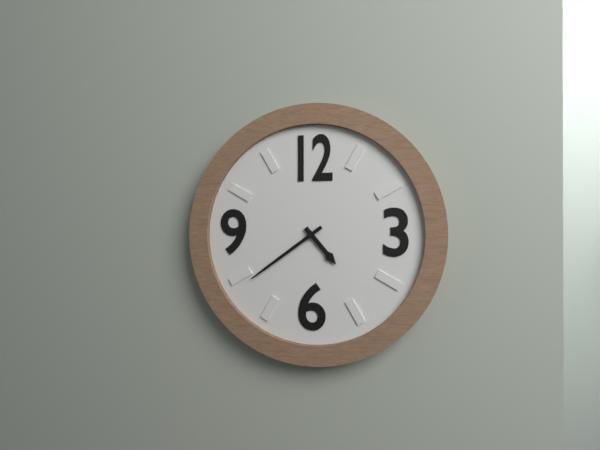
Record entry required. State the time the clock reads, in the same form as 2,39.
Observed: 4,39
